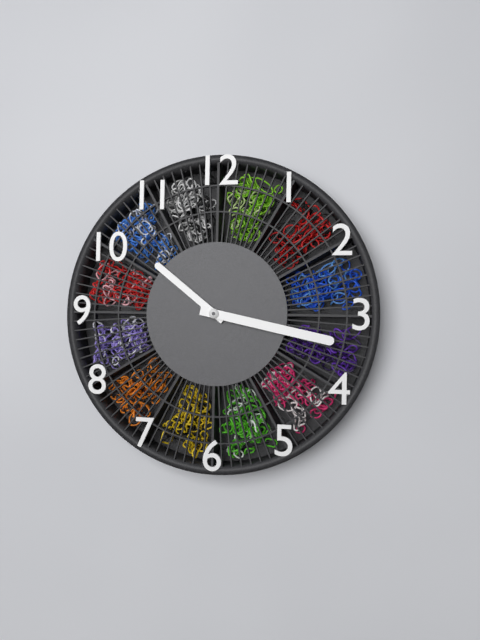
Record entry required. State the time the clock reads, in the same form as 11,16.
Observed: 10,17
